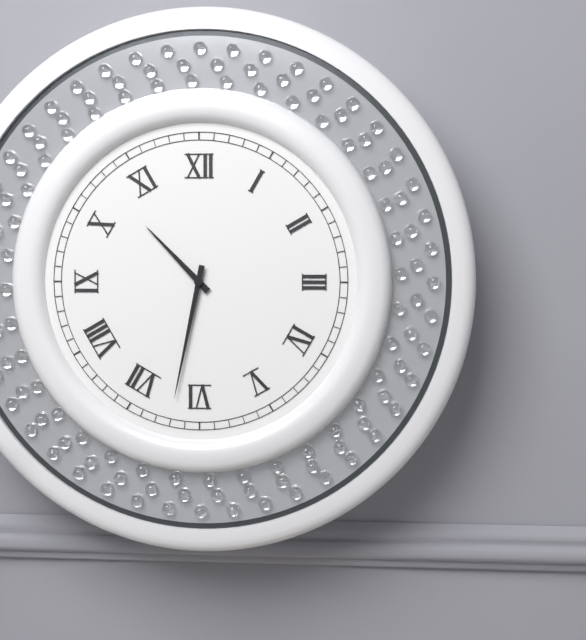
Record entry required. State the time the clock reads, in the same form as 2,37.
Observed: 10,32
